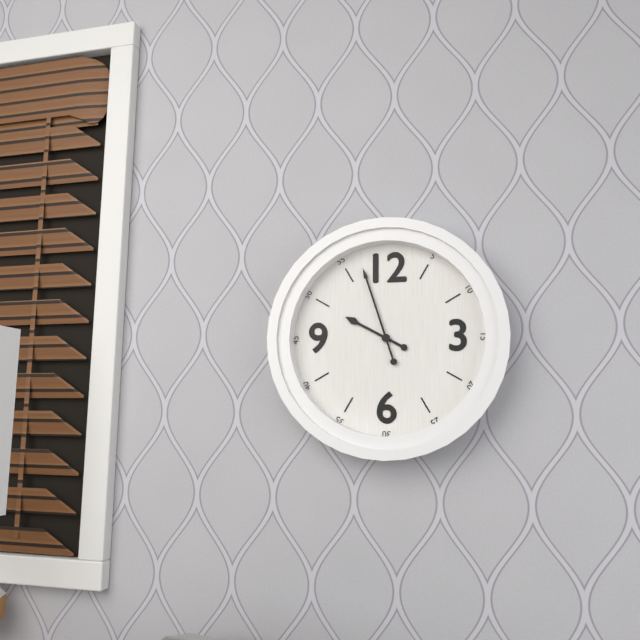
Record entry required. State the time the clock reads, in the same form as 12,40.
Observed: 9,57
